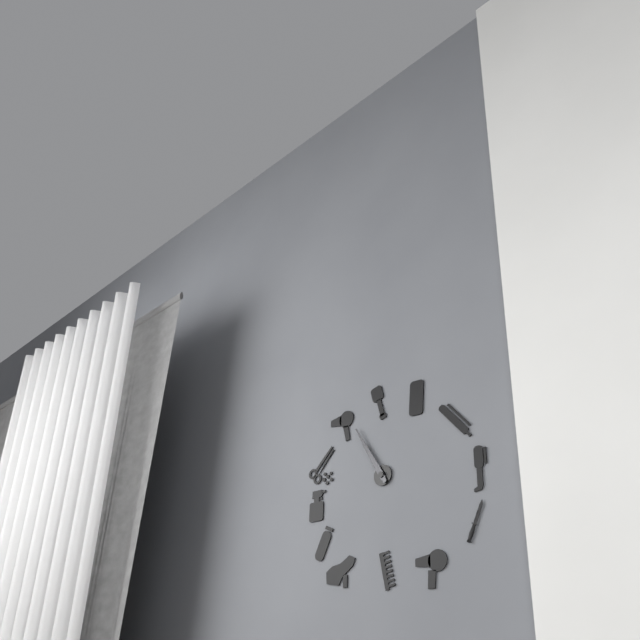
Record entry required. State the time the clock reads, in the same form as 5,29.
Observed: 10,55
